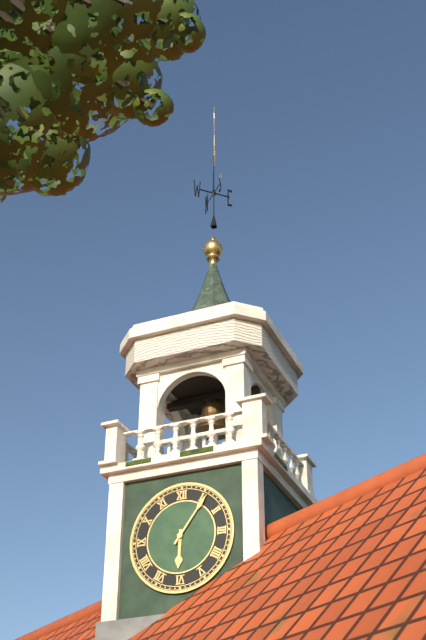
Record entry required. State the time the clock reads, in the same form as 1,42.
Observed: 6,06
